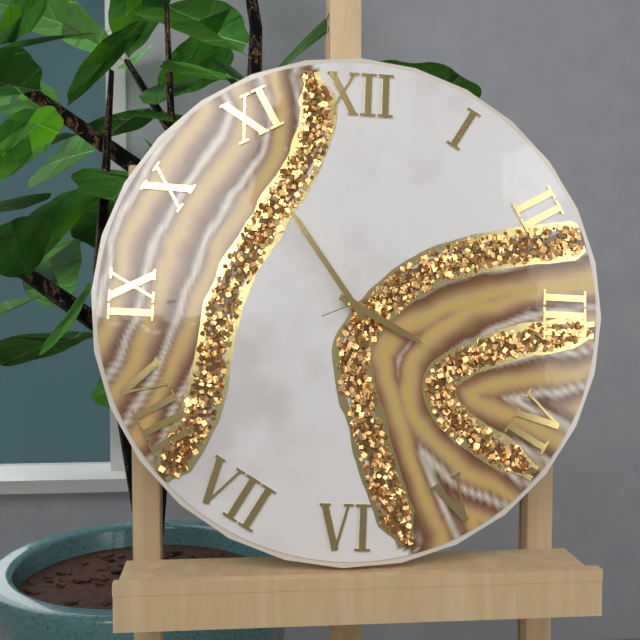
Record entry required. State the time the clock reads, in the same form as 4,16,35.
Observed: 3,54,11
